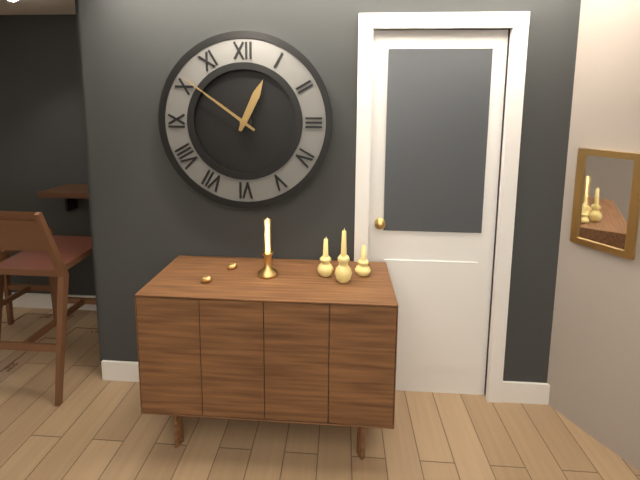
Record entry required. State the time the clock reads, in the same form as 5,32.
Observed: 12,51
